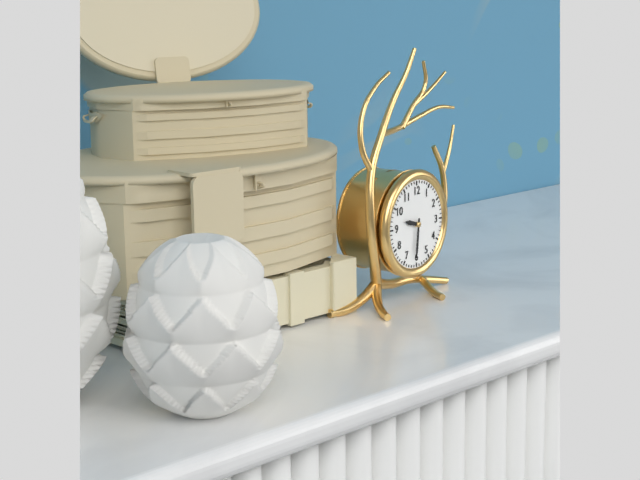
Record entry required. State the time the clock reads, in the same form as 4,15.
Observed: 9,31
